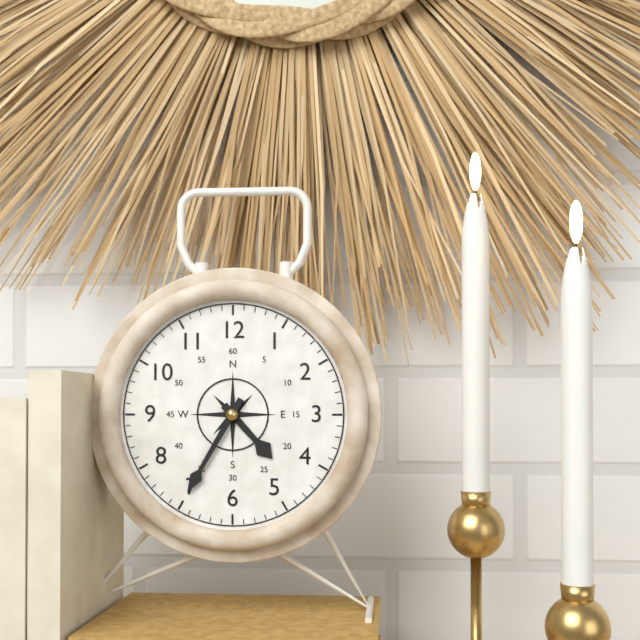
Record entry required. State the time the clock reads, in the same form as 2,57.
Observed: 4,35
